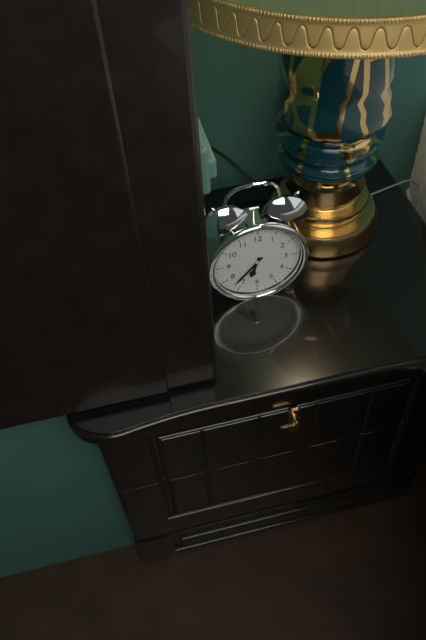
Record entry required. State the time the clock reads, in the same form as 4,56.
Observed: 6,37
